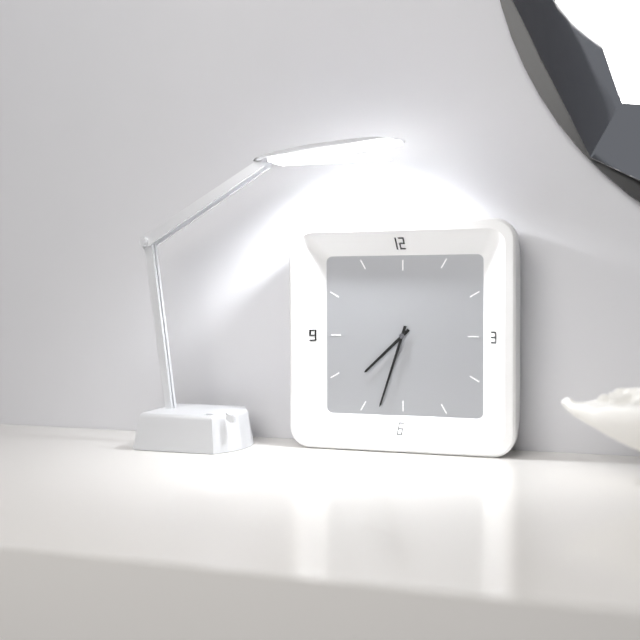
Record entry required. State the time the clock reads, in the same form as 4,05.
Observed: 7,33
